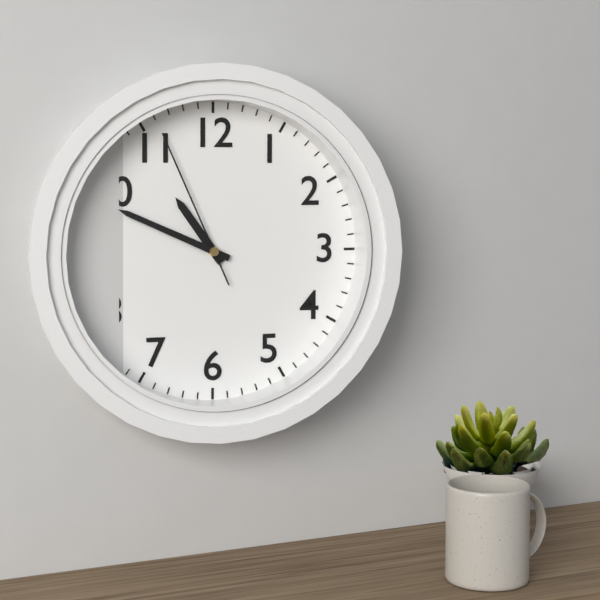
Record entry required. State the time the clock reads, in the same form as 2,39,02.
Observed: 10,49,56
